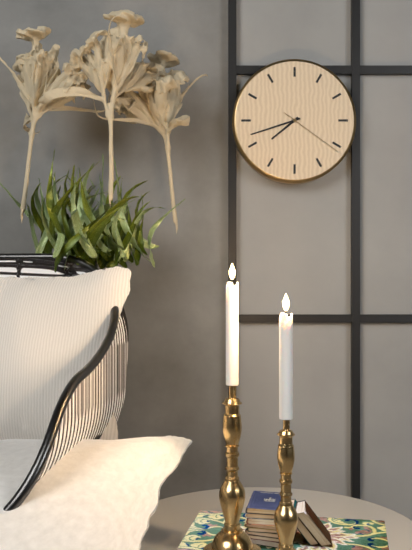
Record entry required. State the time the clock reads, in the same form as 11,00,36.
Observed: 7,42,21
